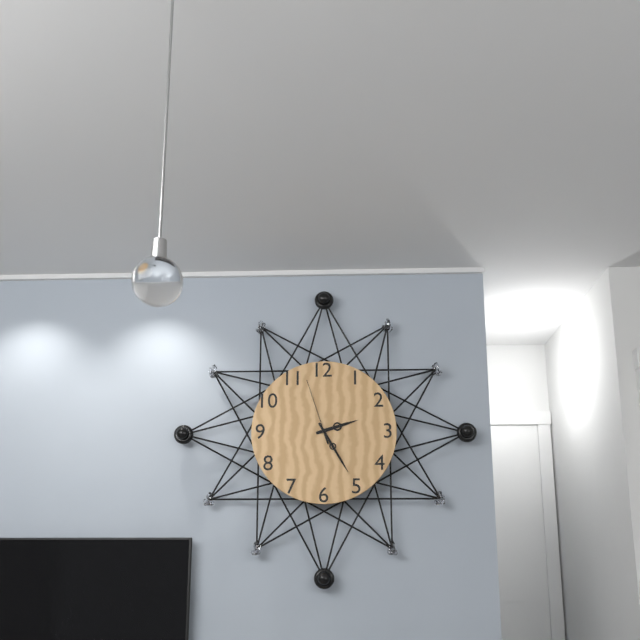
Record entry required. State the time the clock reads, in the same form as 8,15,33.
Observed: 2,25,57
